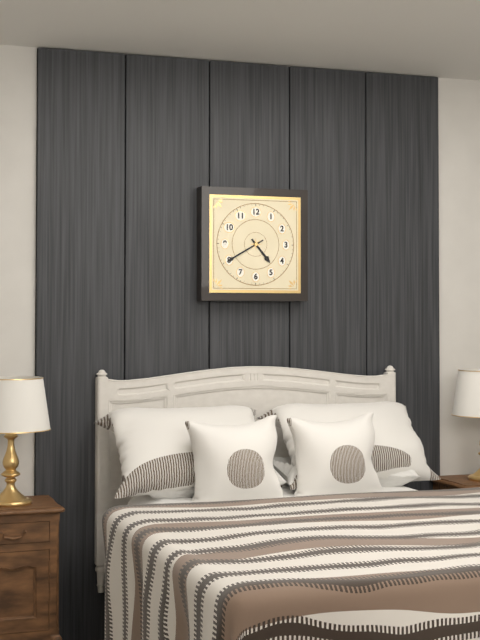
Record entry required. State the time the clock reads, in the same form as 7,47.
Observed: 4,40
